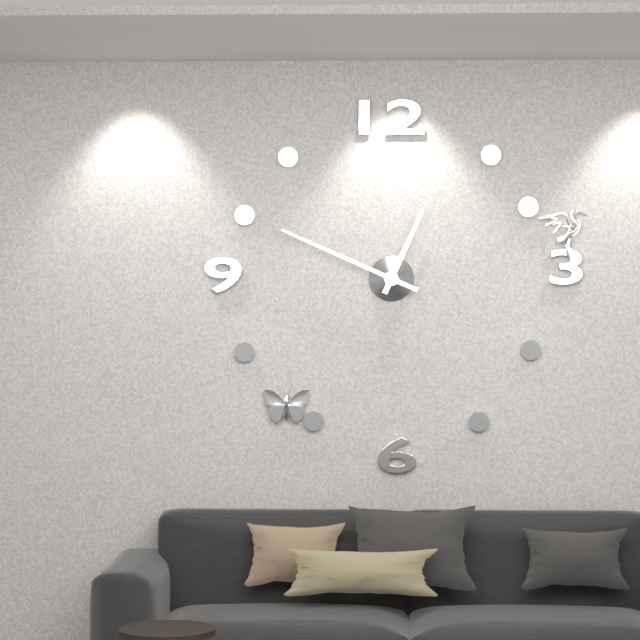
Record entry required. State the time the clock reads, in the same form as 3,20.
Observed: 12,49
